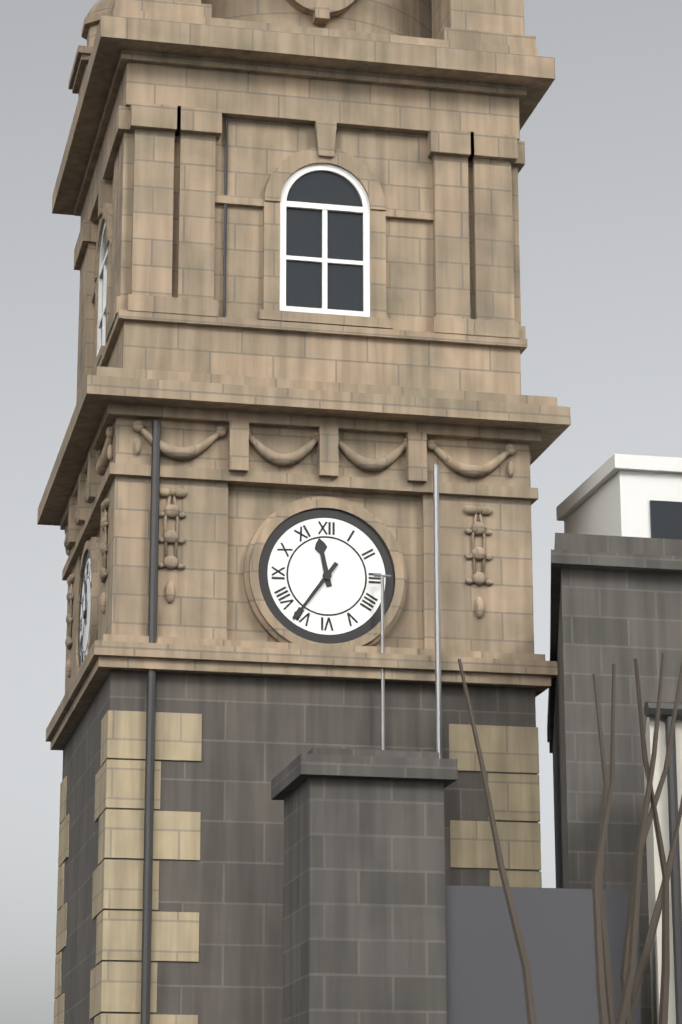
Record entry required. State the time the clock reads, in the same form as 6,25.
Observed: 11,36
